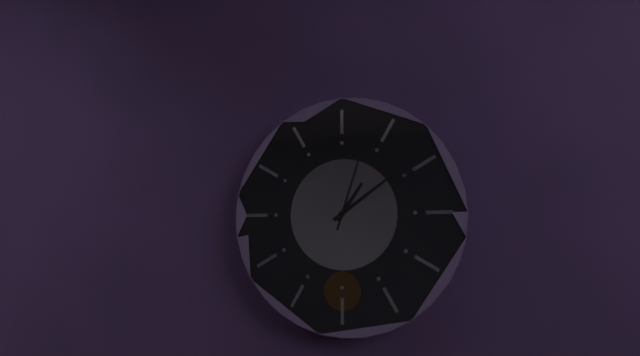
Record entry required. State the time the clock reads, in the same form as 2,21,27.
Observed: 1,09,03
